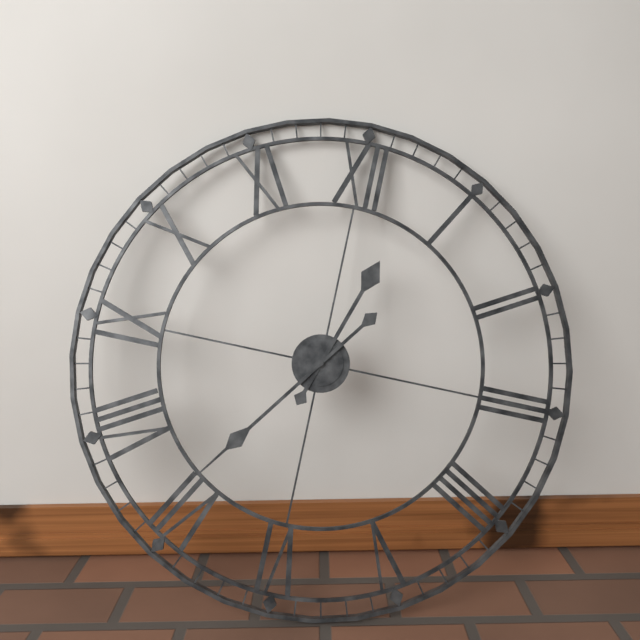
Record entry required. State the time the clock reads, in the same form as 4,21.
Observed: 12,36
